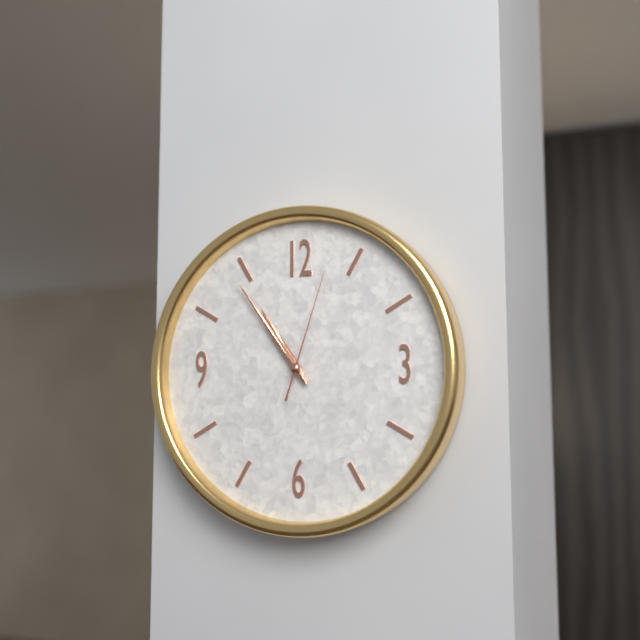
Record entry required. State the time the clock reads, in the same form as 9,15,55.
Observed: 10,54,03
